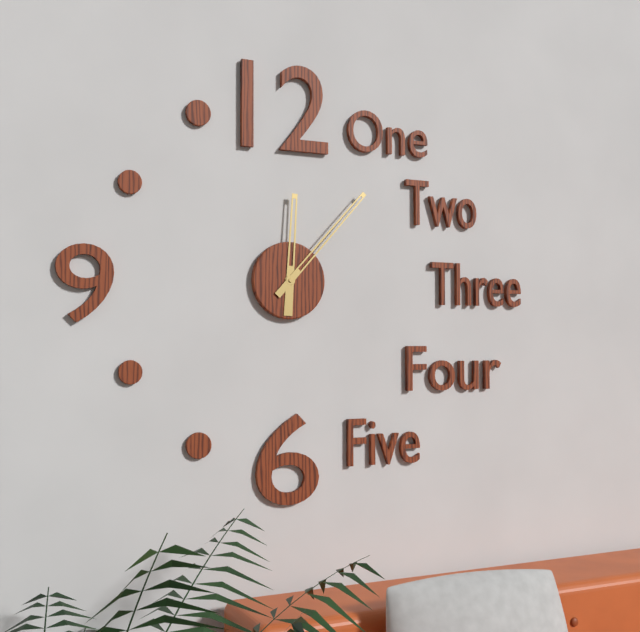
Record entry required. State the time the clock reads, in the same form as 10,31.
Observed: 12,07
